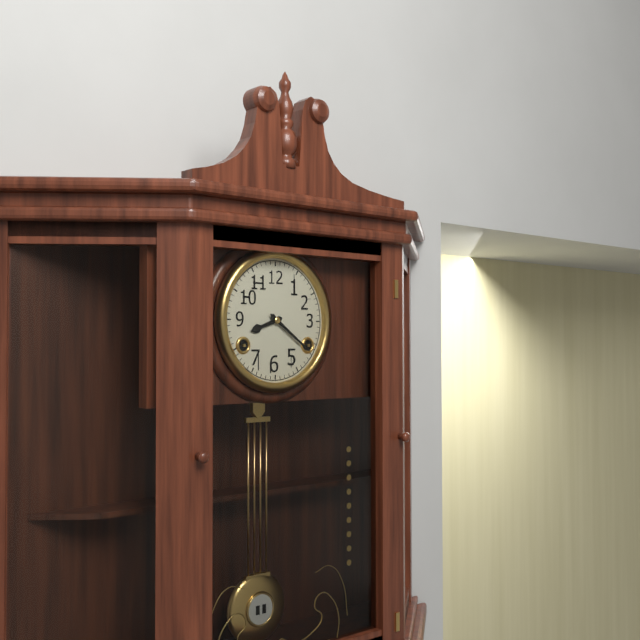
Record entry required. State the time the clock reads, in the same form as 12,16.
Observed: 8,21
